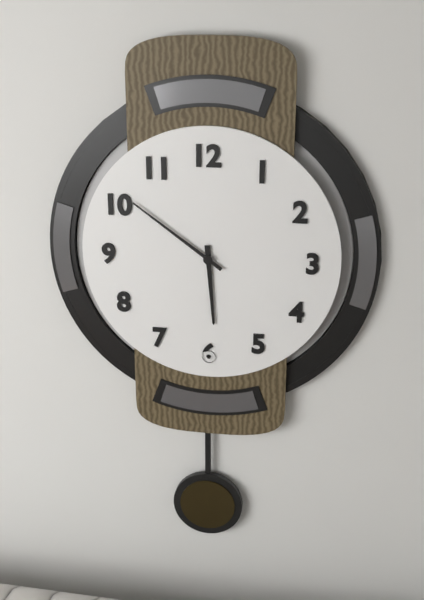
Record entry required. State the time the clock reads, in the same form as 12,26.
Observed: 5,51
